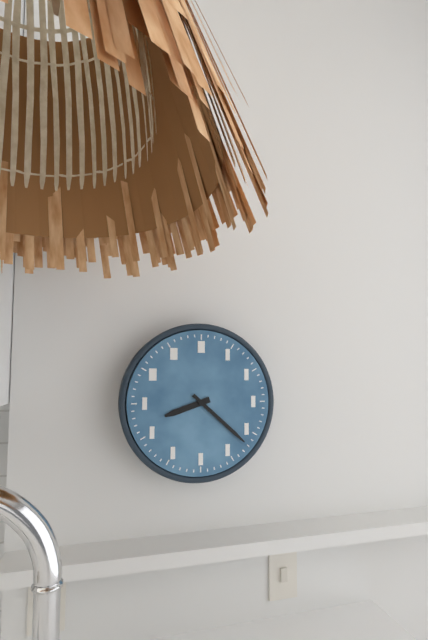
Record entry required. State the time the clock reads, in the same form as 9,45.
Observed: 8,22
